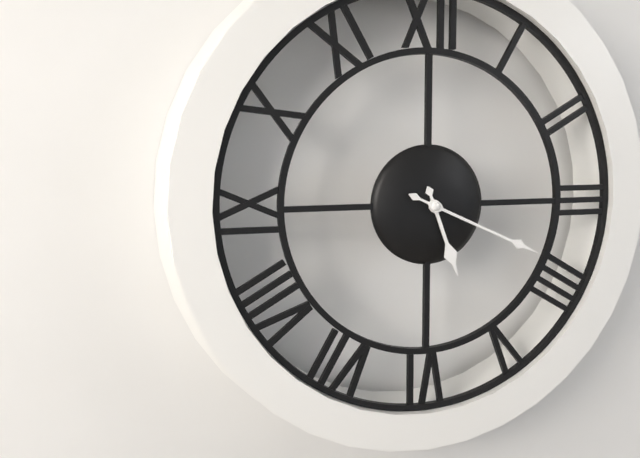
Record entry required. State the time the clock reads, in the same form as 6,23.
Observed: 5,19
